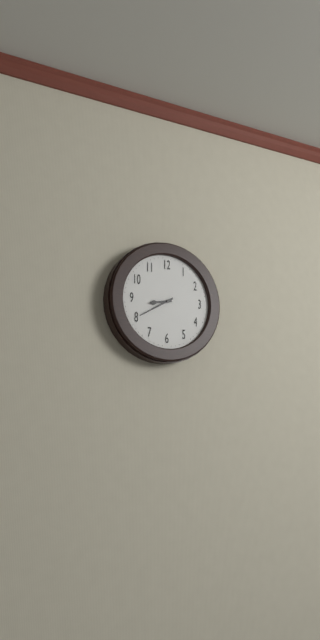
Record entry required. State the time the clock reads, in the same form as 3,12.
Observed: 8,40
